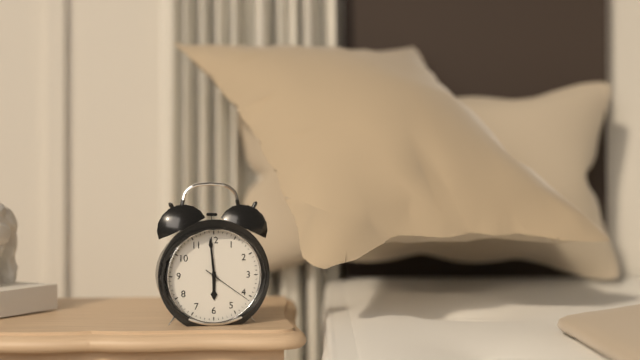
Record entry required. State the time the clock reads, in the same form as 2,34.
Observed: 5,59
